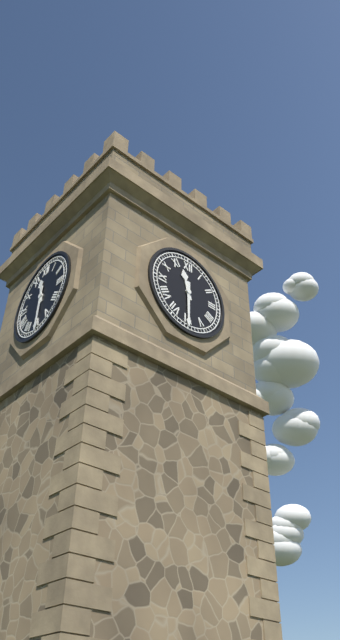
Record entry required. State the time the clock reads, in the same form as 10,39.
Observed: 11,30
